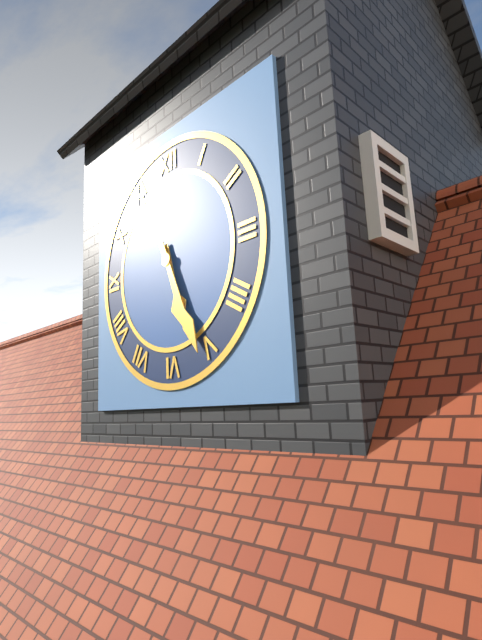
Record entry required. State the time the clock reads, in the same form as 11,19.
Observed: 5,26
